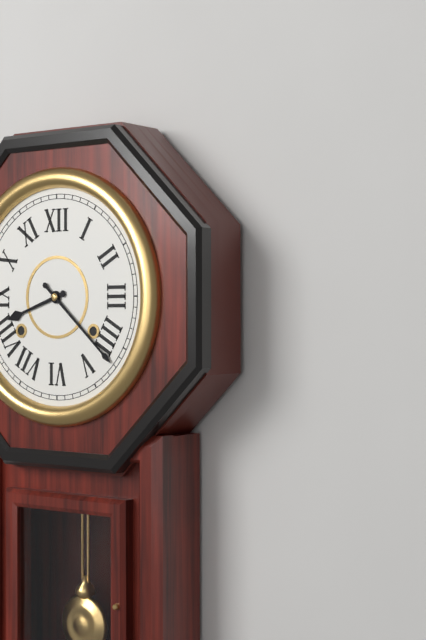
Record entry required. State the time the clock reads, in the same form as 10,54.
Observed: 8,22
